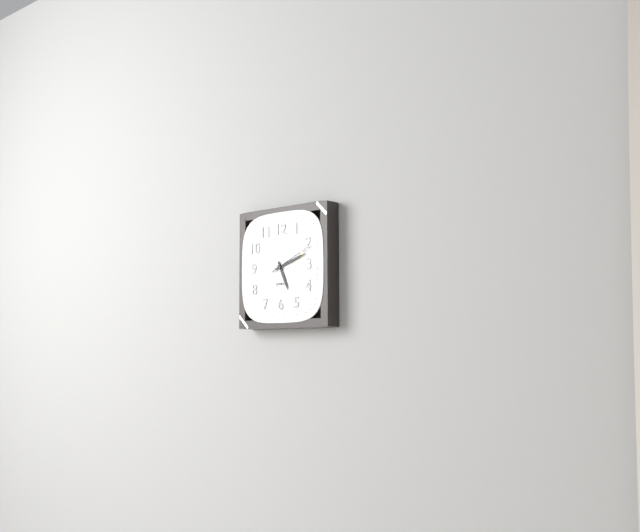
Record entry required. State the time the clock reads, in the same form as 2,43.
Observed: 5,12
